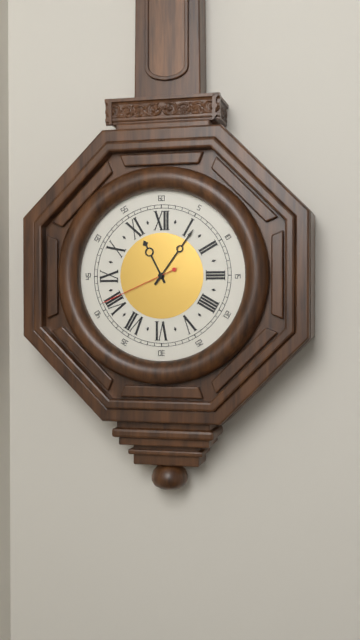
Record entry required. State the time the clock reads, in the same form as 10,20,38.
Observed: 11,06,41
